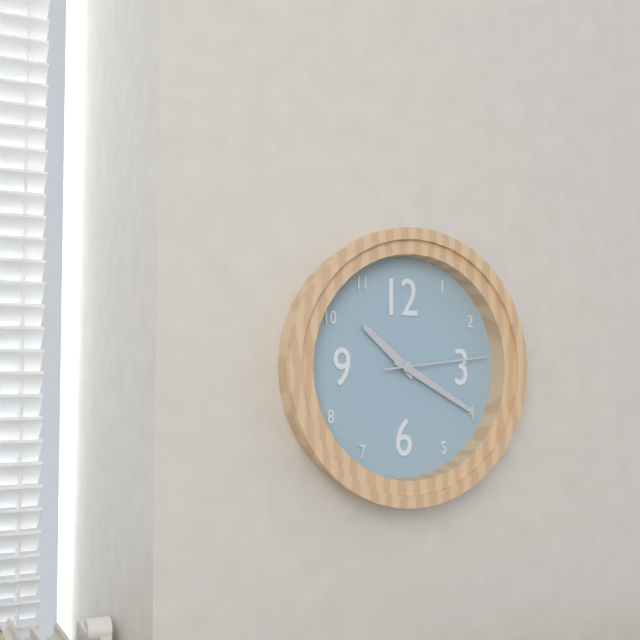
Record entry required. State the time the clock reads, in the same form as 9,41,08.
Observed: 10,20,14
